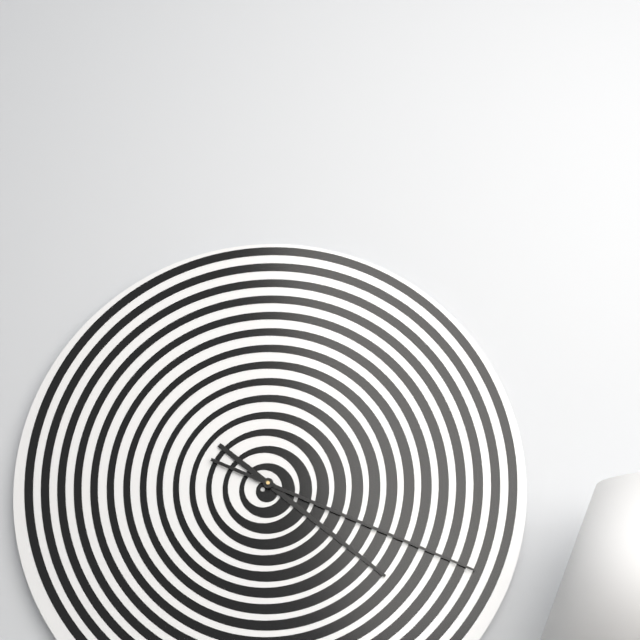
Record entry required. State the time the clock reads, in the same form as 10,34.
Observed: 4,19
